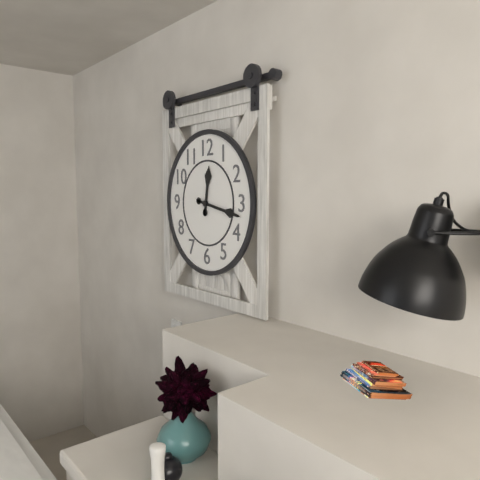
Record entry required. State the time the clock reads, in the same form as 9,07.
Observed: 12,17
